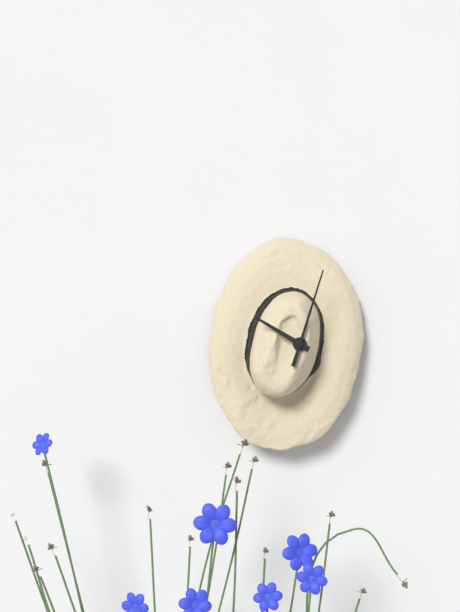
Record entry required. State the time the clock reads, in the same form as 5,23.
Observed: 10,03
